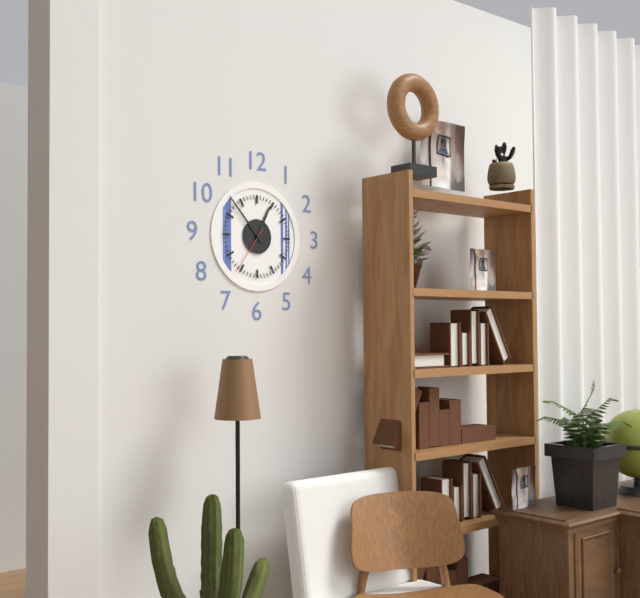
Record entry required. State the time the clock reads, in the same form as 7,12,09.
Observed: 12,53,36
